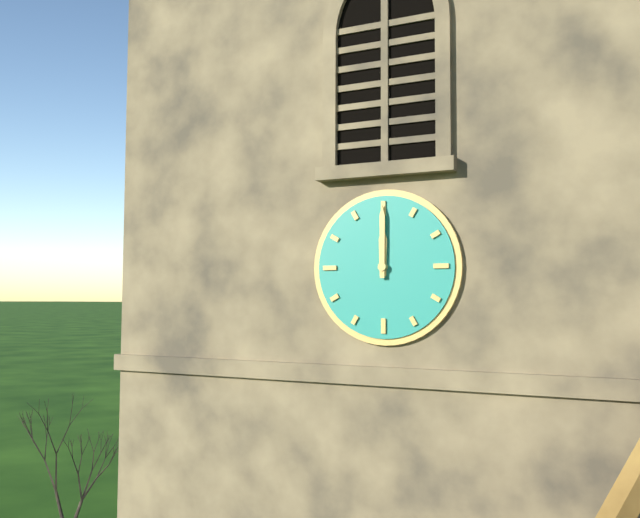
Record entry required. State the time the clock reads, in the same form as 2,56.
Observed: 12,00
